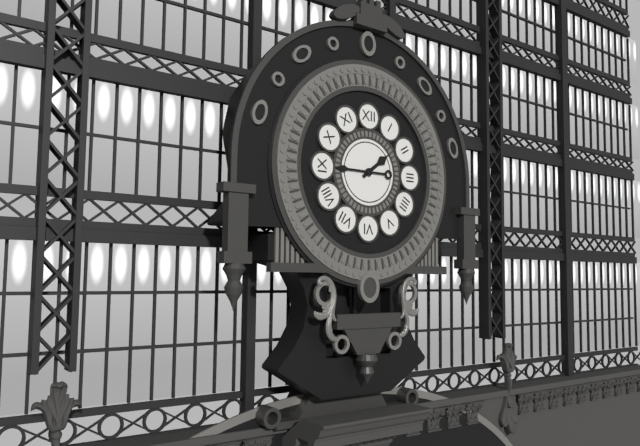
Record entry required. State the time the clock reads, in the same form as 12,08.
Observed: 1,45
